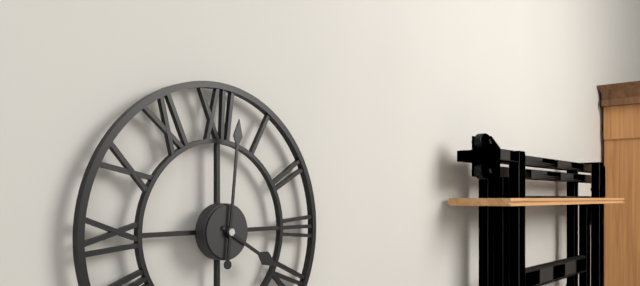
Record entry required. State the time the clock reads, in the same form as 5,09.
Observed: 4,01
